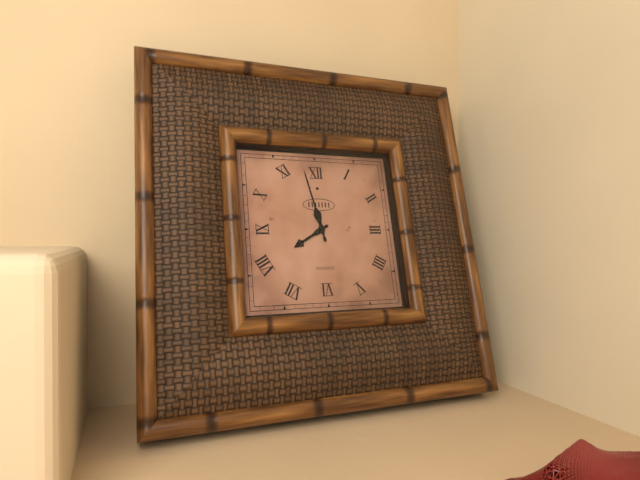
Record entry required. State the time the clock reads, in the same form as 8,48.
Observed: 7,58
